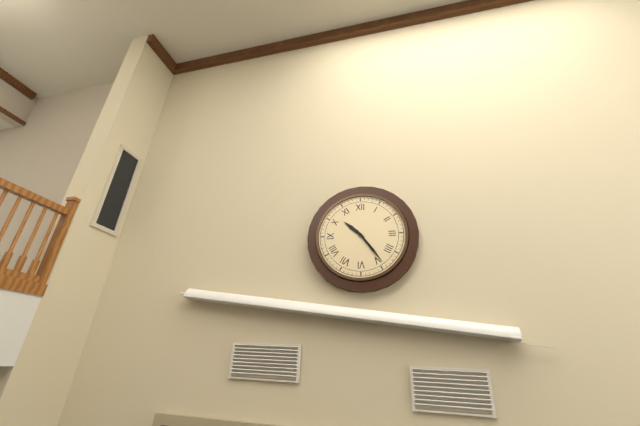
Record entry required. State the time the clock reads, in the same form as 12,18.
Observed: 10,24
